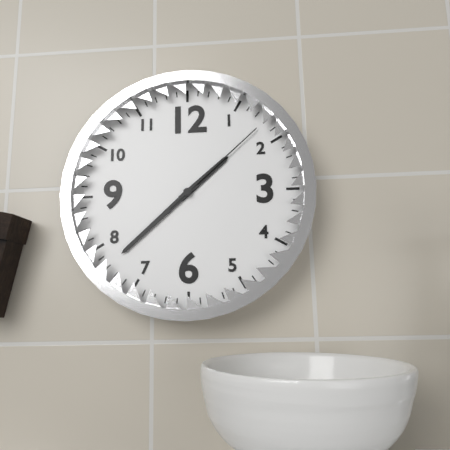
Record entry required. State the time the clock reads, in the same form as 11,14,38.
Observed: 1,38,08
